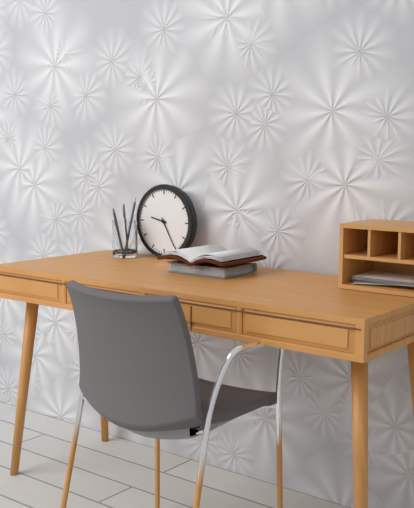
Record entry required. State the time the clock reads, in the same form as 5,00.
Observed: 9,25
